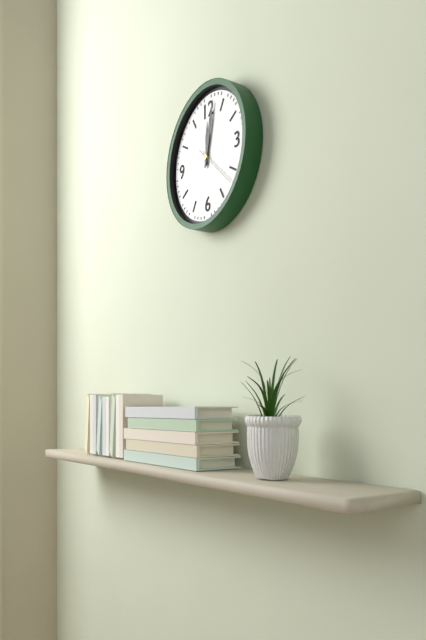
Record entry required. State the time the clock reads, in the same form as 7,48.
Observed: 12,02
